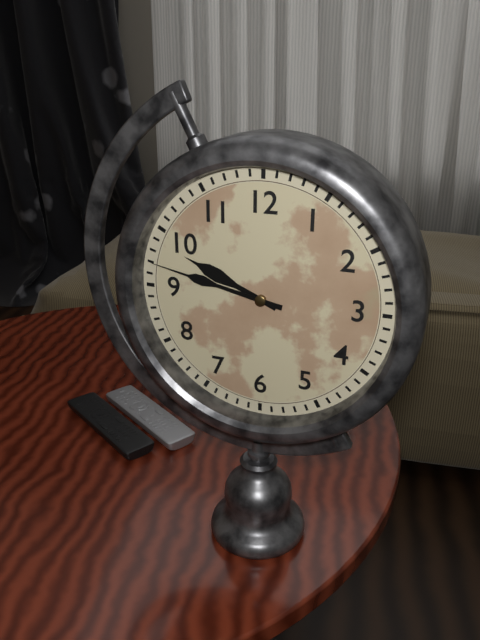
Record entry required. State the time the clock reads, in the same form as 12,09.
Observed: 9,47
